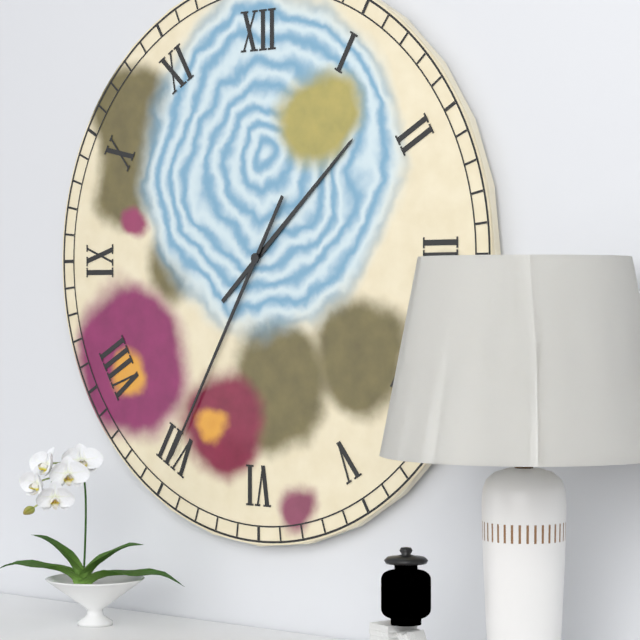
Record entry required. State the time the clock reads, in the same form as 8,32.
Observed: 1,35
